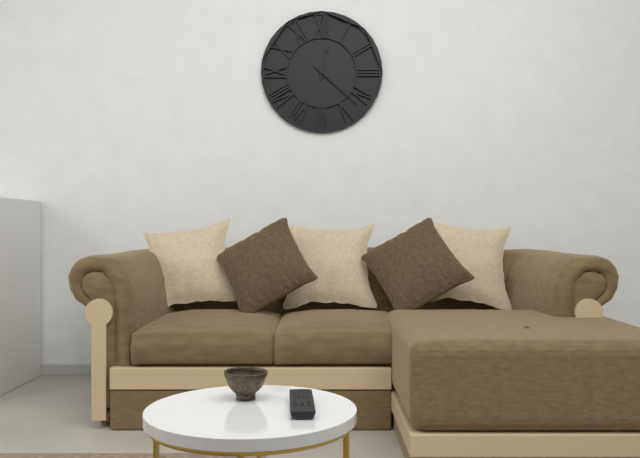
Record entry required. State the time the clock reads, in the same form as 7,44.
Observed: 12,22
